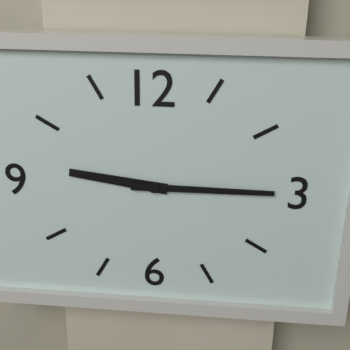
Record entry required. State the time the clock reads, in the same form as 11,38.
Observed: 9,15
